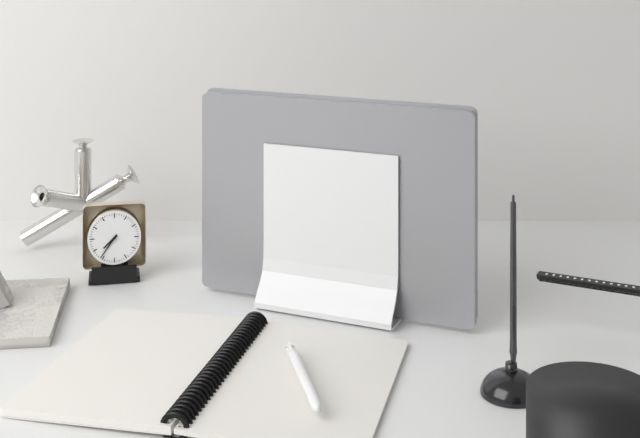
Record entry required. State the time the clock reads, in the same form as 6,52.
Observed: 7,36
